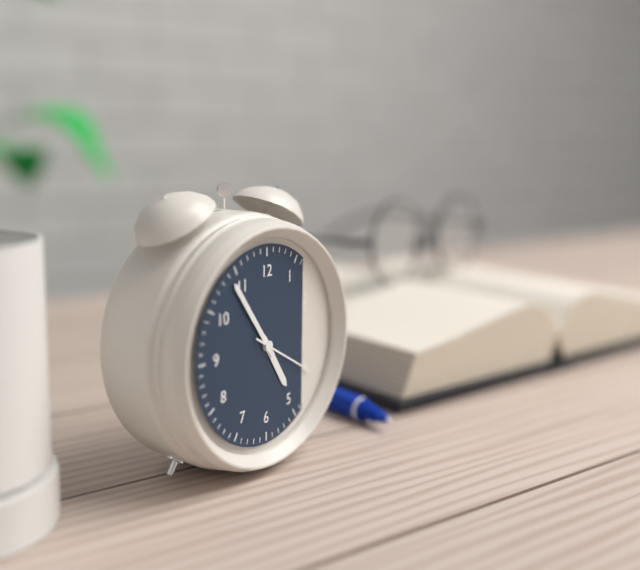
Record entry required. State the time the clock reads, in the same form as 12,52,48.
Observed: 4,54,20
